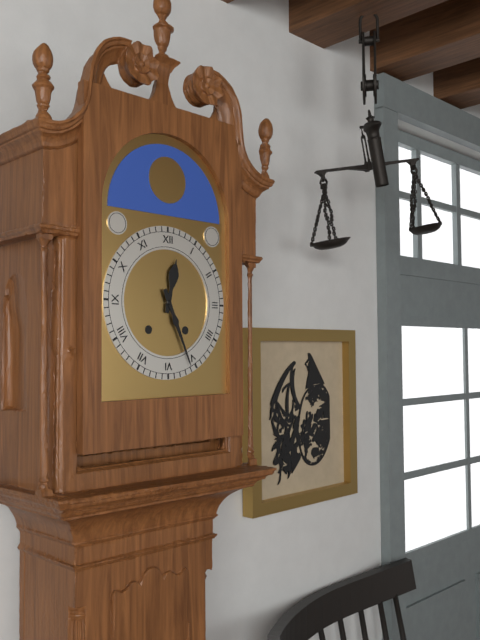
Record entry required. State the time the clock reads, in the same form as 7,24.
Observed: 12,26
